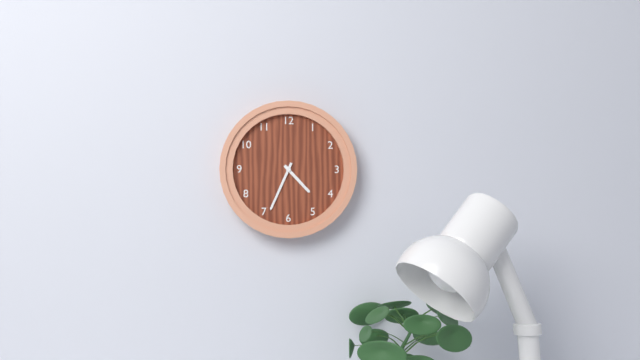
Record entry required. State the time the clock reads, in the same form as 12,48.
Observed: 4,34
